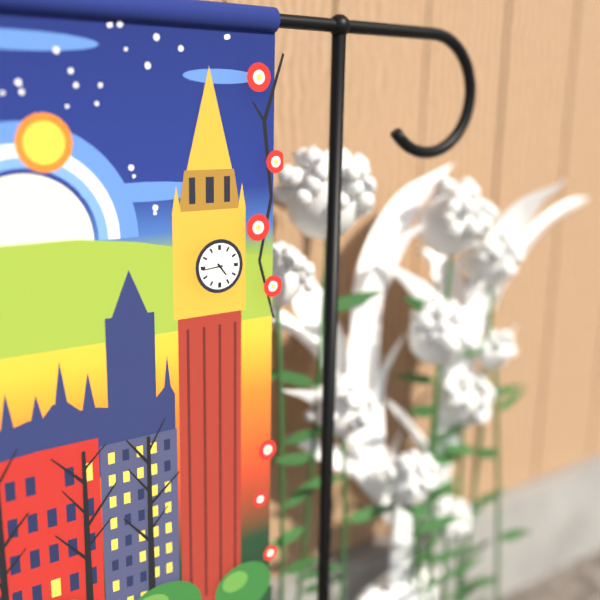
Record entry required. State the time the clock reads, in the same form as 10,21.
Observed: 4,44
